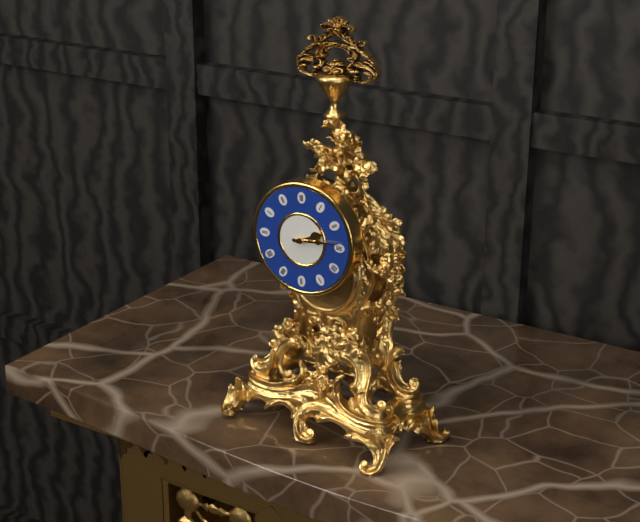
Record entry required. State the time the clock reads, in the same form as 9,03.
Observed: 2,14
